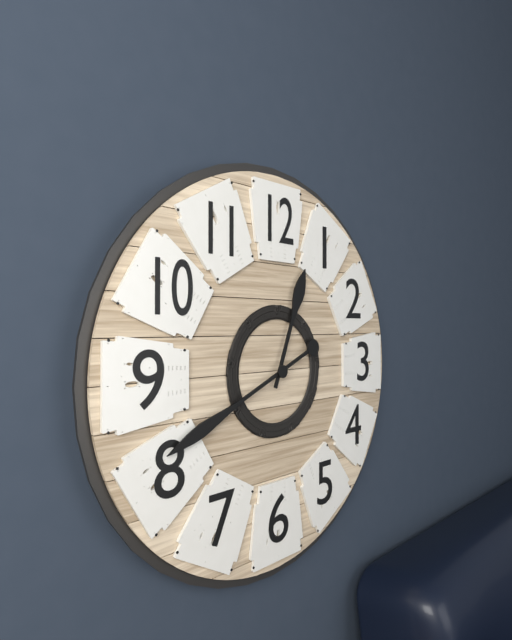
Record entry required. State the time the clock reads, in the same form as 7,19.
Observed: 12,41
